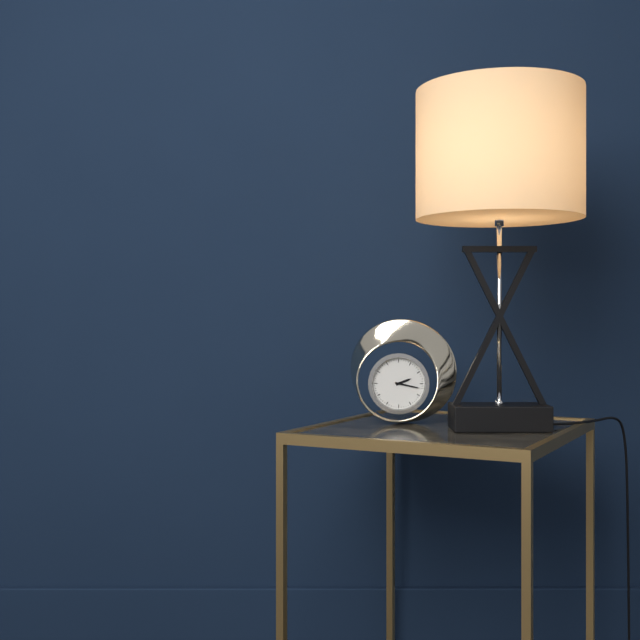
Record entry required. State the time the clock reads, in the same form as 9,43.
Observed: 2,17
